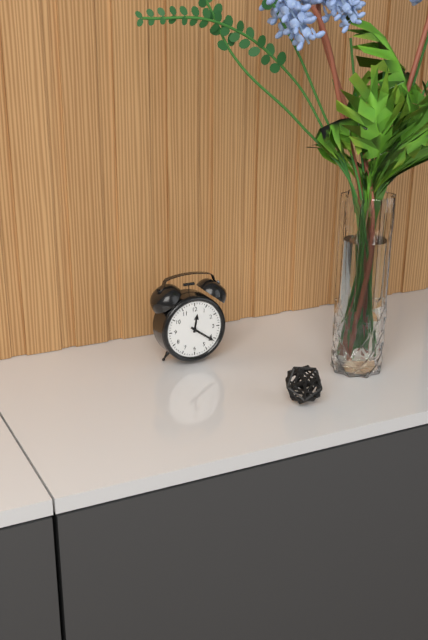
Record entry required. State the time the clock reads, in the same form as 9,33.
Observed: 12,21
